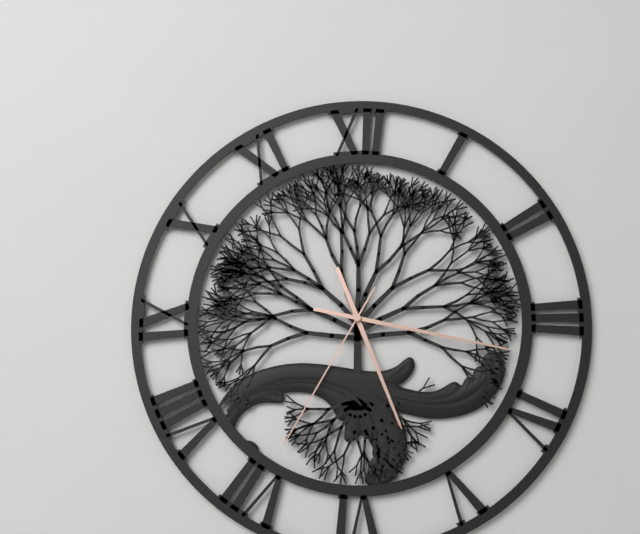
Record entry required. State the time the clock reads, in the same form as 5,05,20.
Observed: 5,17,35
